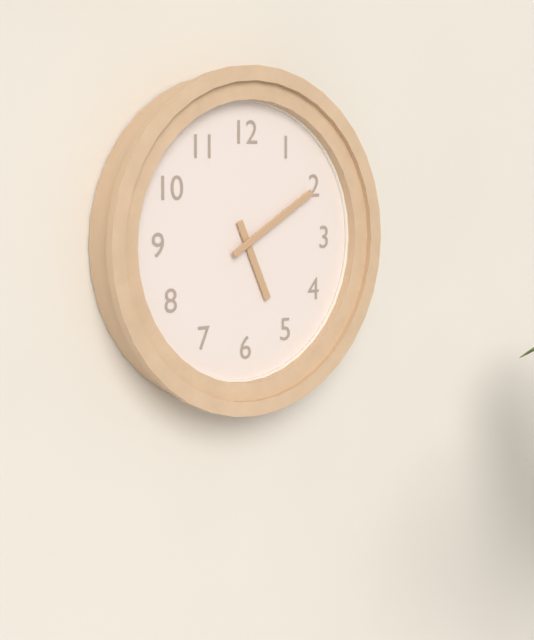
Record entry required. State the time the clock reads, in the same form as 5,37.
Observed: 5,10
